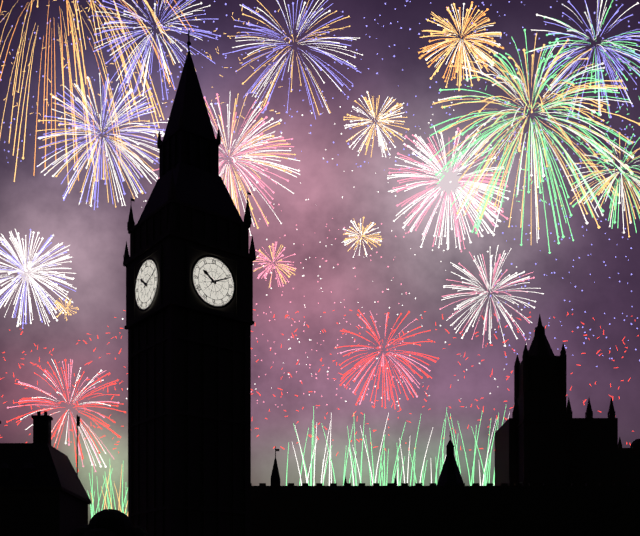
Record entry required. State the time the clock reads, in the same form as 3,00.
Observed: 10,11
